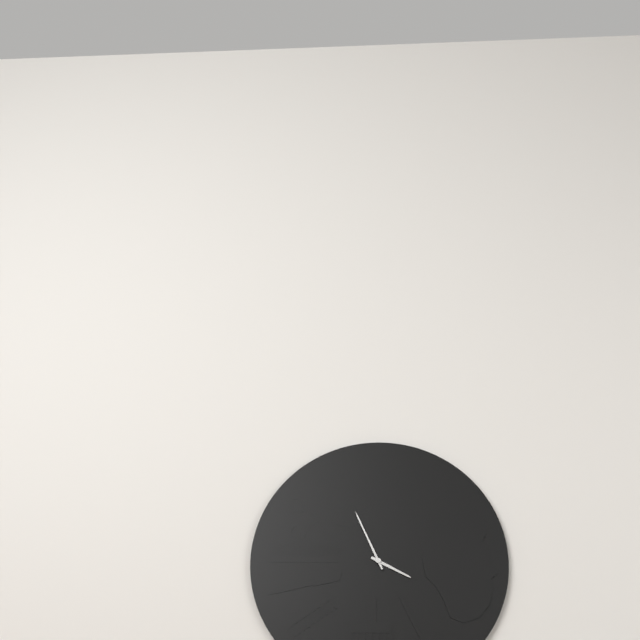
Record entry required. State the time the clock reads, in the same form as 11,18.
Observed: 3,56
